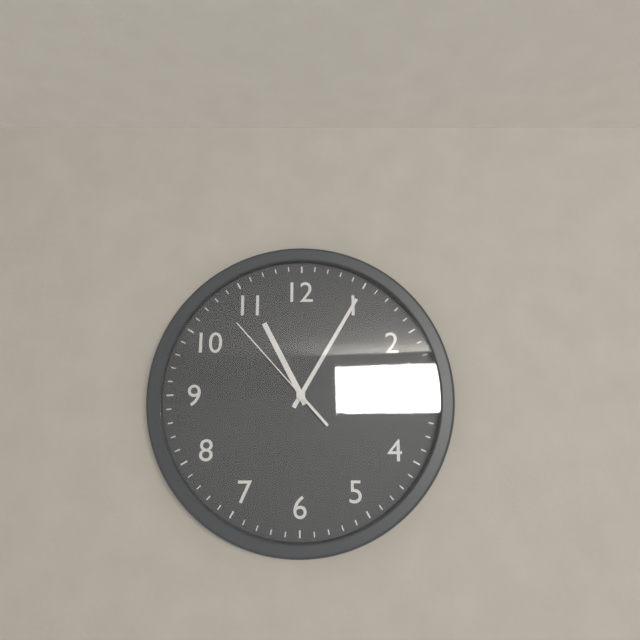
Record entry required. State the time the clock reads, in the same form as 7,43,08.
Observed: 11,05,53
